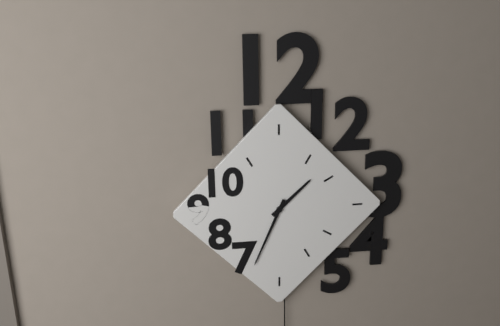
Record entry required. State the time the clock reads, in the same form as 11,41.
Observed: 1,34
